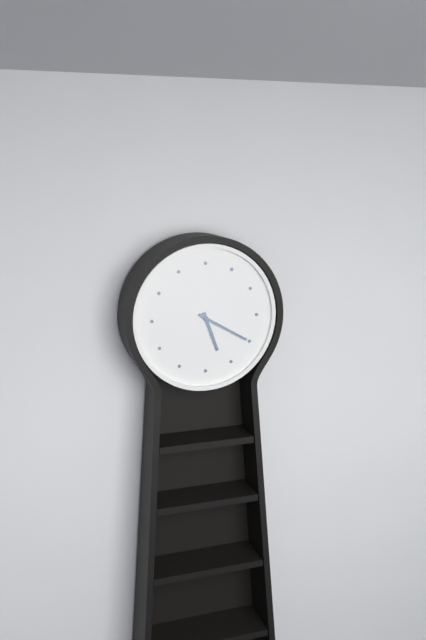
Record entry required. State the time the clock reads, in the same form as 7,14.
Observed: 5,20
